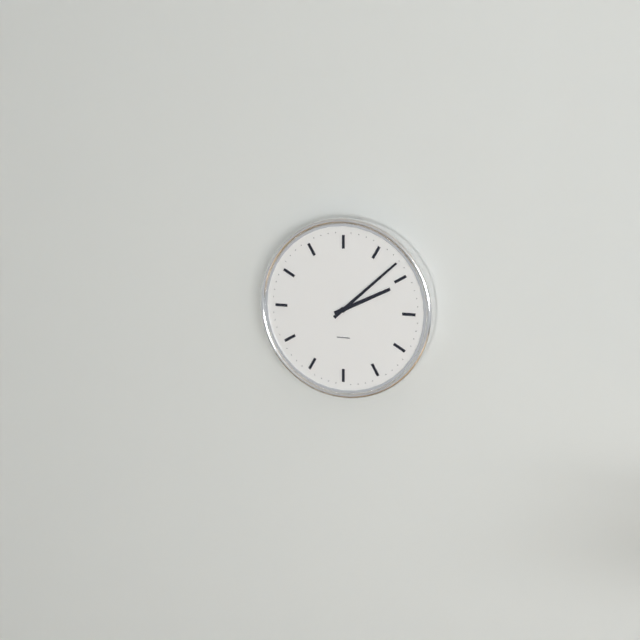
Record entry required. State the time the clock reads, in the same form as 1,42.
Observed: 2,08
